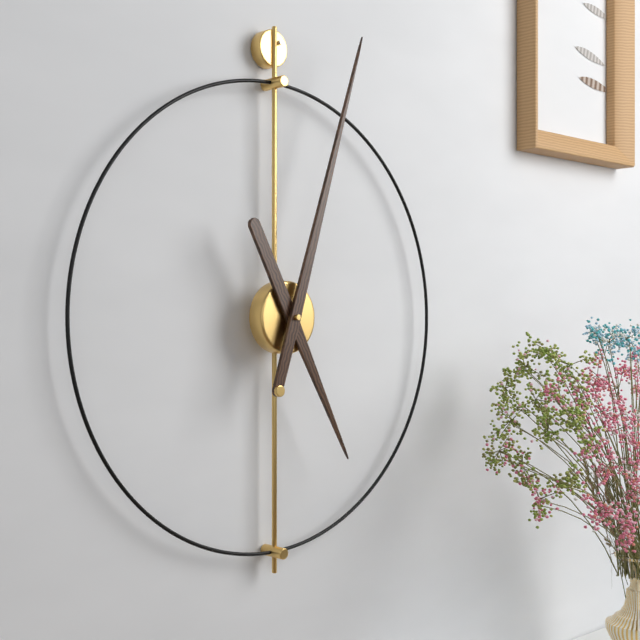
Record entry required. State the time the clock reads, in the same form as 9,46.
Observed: 5,03
